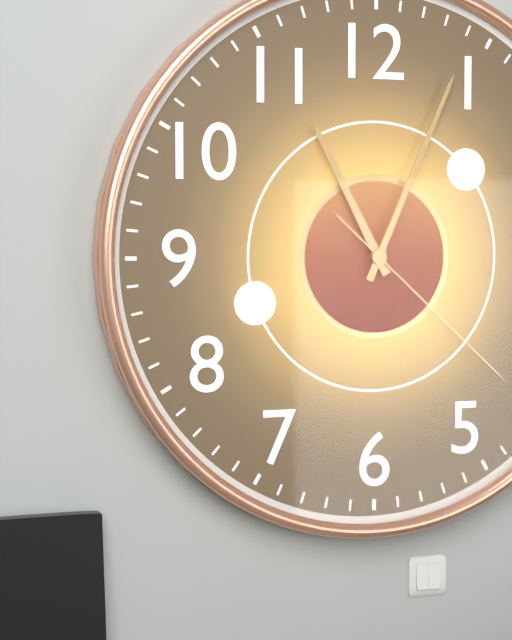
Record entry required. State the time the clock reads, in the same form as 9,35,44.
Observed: 11,04,22
